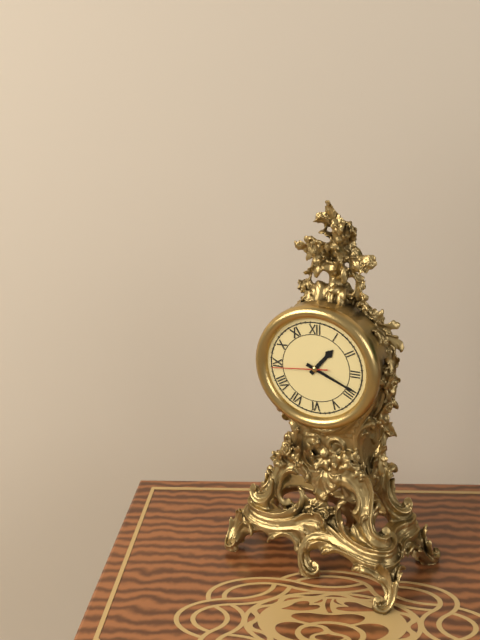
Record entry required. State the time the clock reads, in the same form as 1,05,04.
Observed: 1,19,44
